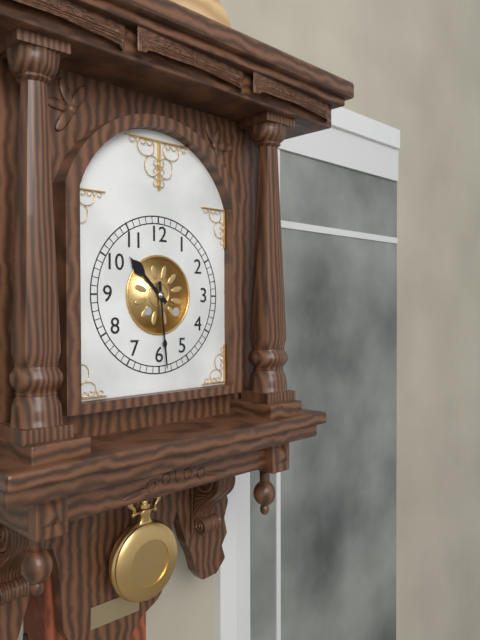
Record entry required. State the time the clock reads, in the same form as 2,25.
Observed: 10,29
